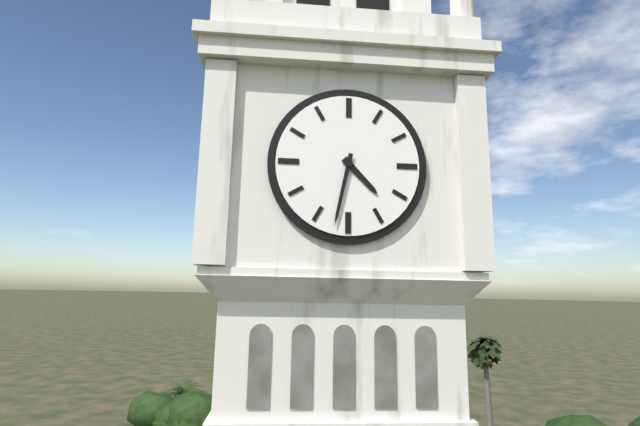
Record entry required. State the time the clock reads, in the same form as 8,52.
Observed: 4,32
